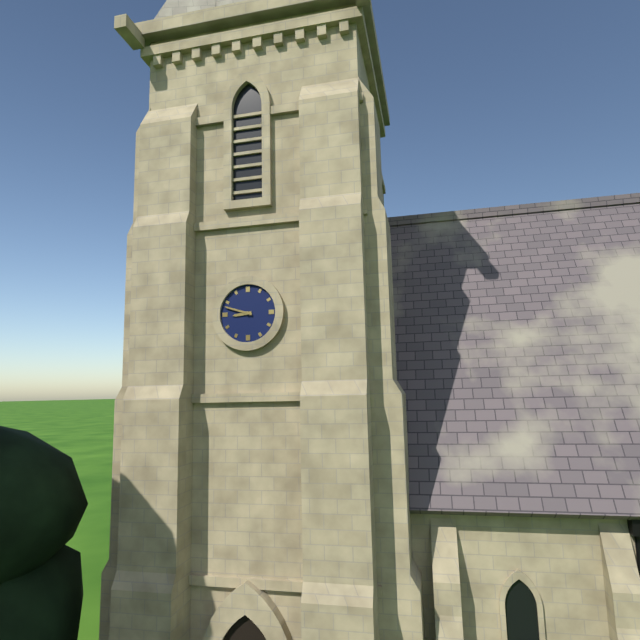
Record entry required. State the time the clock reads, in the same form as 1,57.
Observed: 8,48
